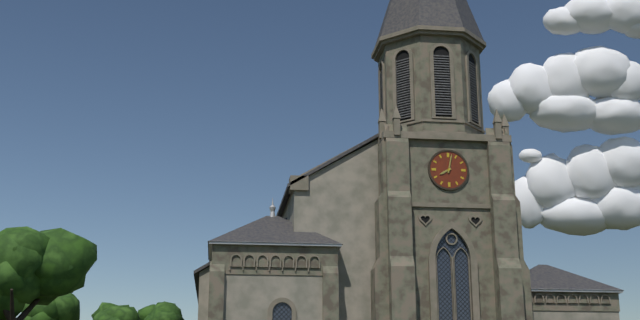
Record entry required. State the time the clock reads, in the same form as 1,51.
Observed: 8,02
